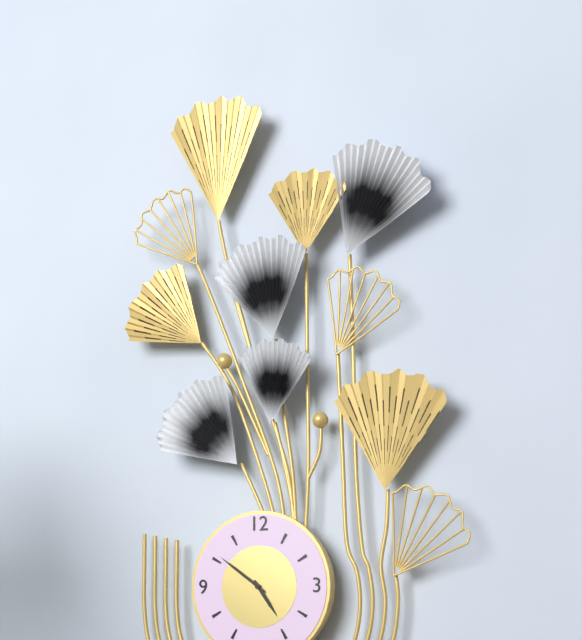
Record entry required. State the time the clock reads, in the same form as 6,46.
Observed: 4,51
